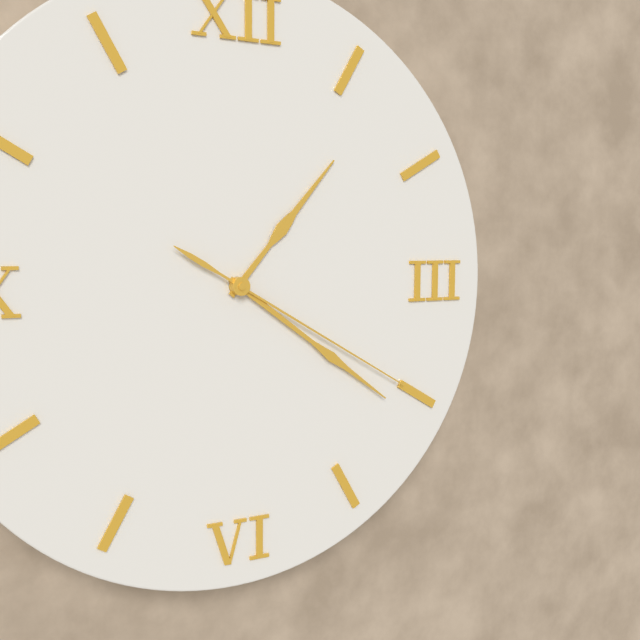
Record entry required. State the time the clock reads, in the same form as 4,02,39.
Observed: 1,21,20
